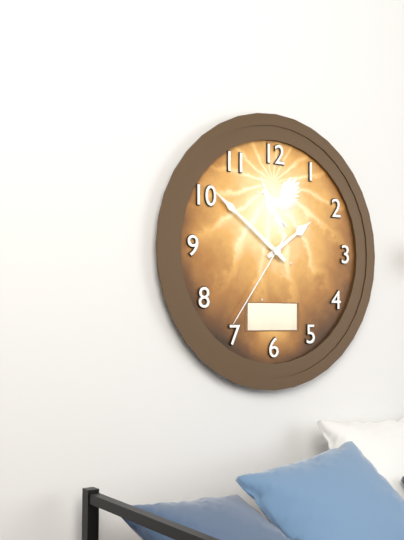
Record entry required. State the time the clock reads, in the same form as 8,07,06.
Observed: 1,51,36
